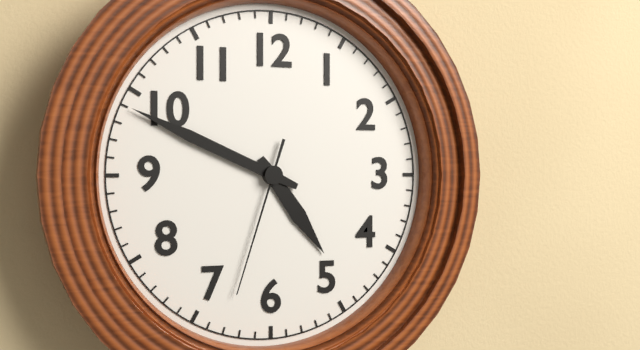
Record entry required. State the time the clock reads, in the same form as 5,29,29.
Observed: 4,49,33
